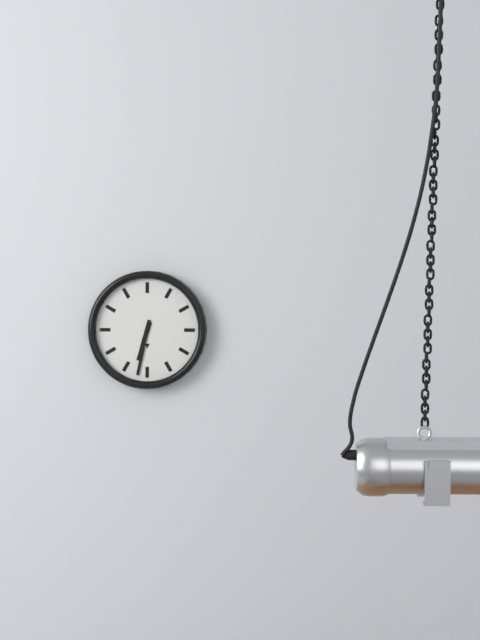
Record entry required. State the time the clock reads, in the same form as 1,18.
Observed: 6,32
